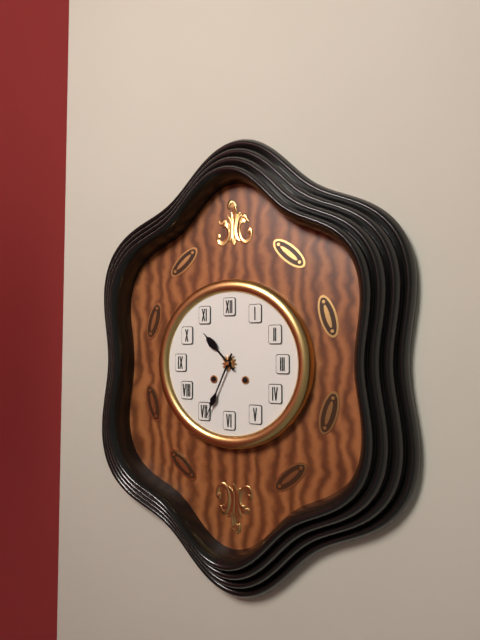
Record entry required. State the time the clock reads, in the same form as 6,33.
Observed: 10,34
